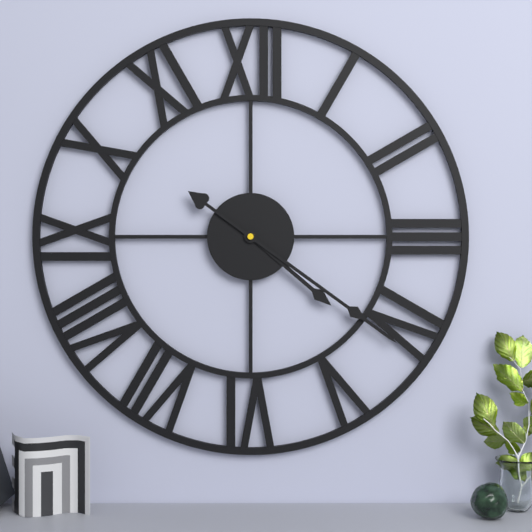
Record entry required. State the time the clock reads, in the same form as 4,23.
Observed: 4,21
